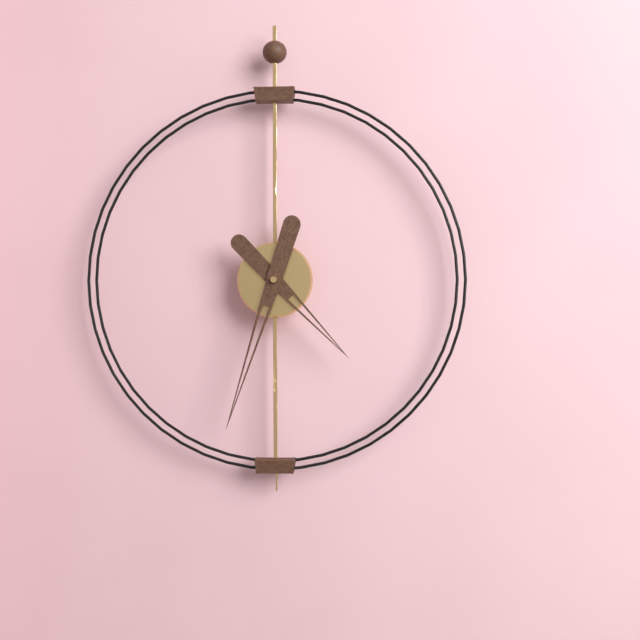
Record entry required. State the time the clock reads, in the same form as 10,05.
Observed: 4,33
